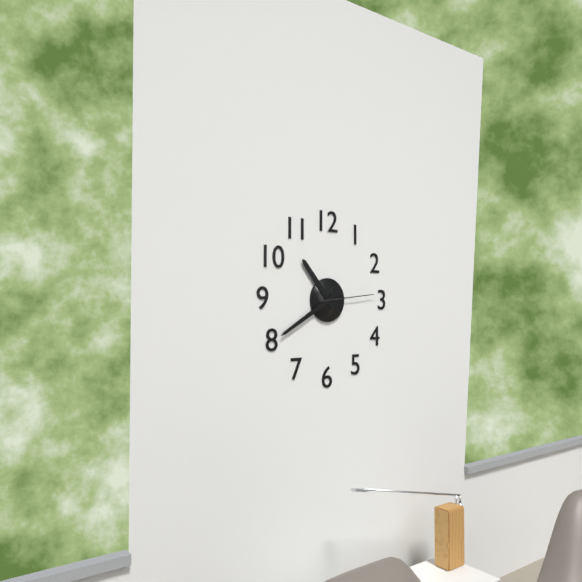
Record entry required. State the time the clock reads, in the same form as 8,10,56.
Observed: 10,40,14
